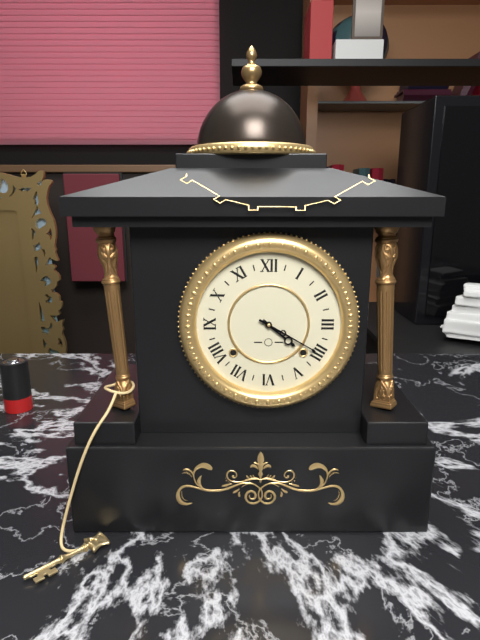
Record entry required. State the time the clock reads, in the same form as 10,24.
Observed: 4,20
